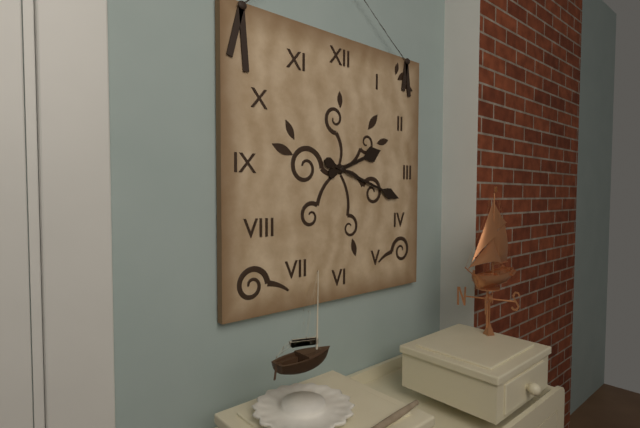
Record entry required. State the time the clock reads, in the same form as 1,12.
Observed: 2,18
